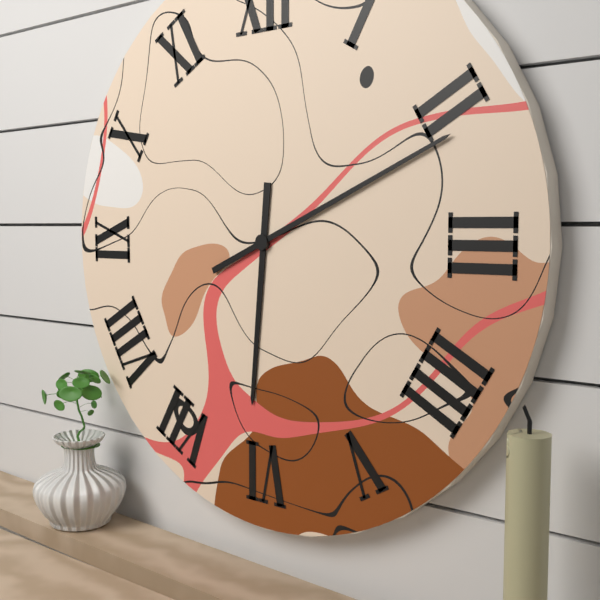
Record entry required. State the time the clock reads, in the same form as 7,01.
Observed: 6,11
